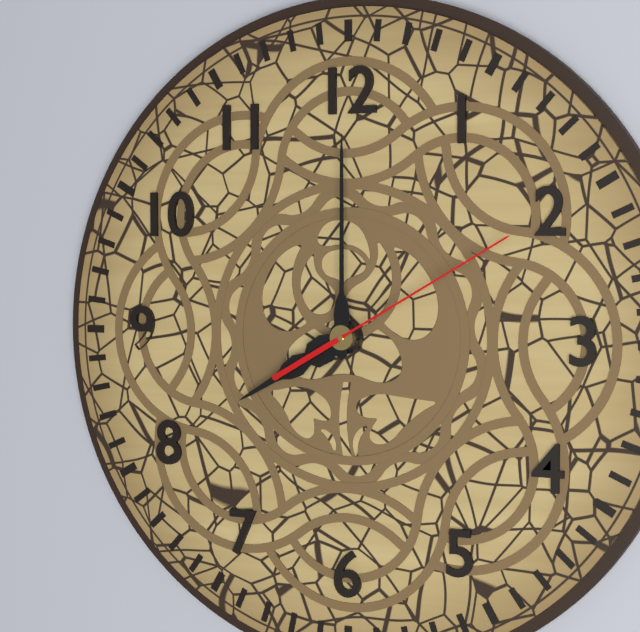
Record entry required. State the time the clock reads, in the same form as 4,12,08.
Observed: 8,00,10
